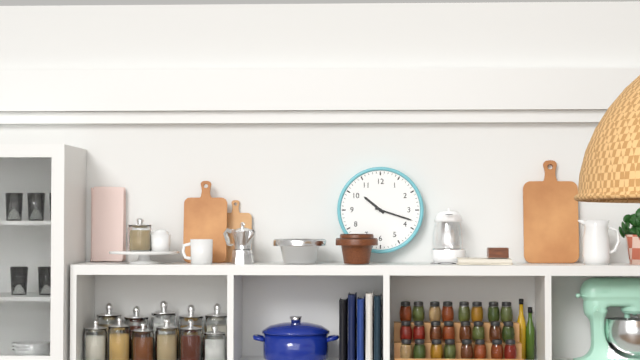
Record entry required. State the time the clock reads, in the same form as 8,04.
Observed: 10,18
